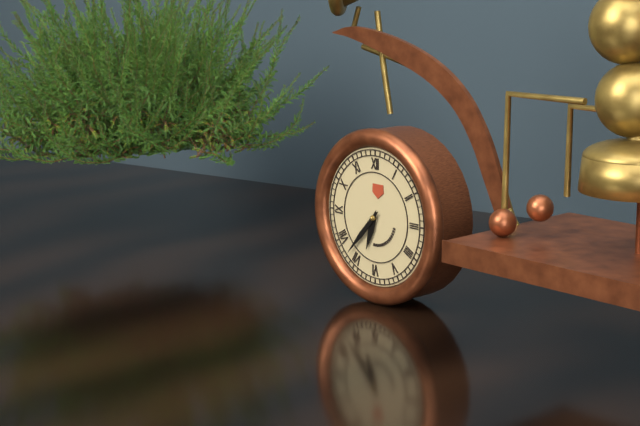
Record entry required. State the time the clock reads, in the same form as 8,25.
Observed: 6,37
